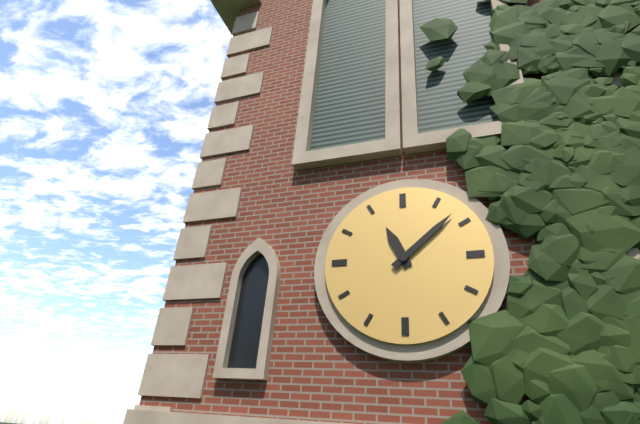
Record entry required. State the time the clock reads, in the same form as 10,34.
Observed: 11,08
